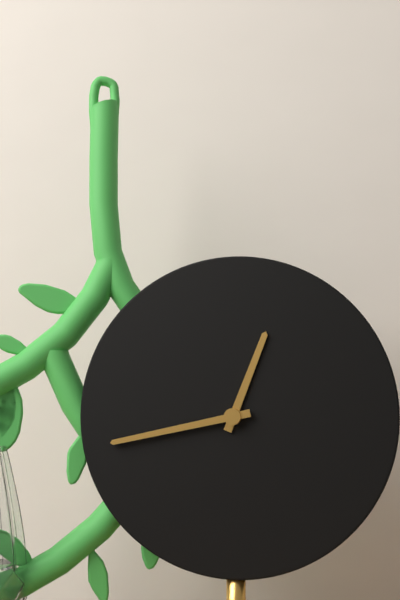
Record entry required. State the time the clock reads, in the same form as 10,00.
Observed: 12,43
